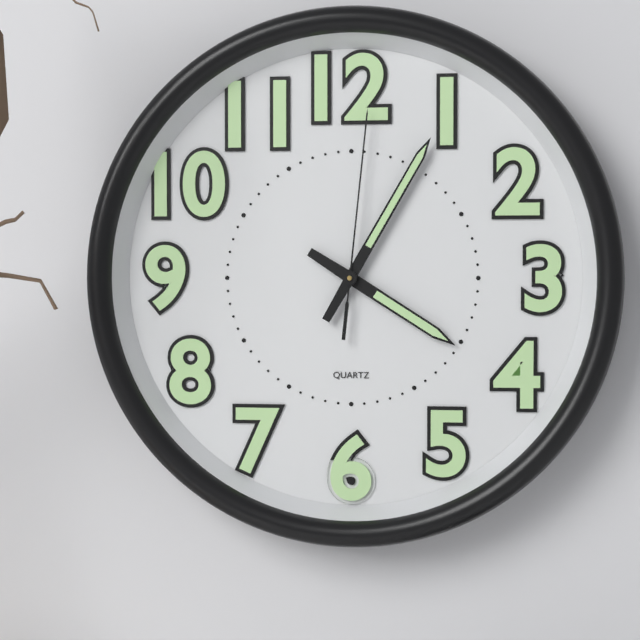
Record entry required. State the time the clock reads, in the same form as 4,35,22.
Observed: 4,05,01
